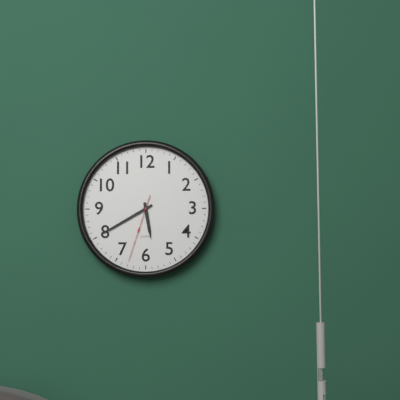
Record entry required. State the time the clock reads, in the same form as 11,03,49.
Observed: 5,40,33
